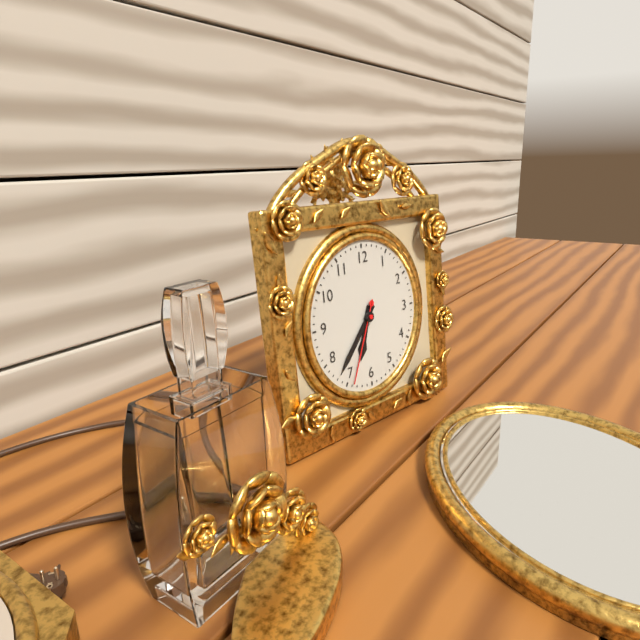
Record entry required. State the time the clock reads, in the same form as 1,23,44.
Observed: 6,37,34
